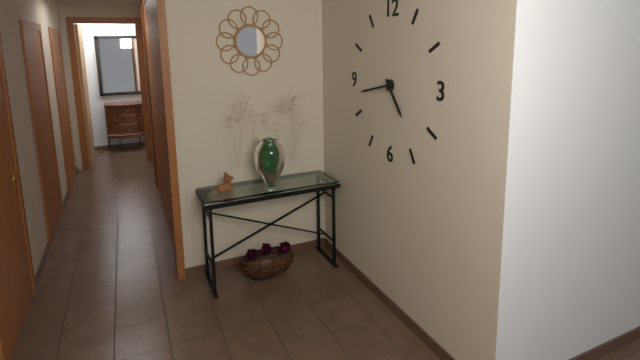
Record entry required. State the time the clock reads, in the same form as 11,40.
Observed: 4,43
